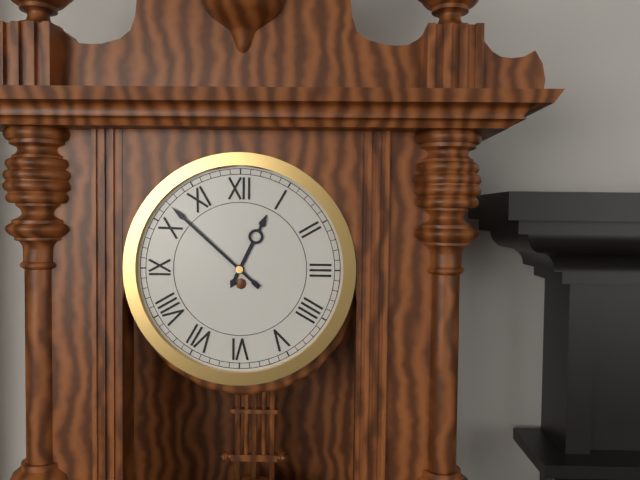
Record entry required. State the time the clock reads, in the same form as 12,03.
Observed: 12,52
